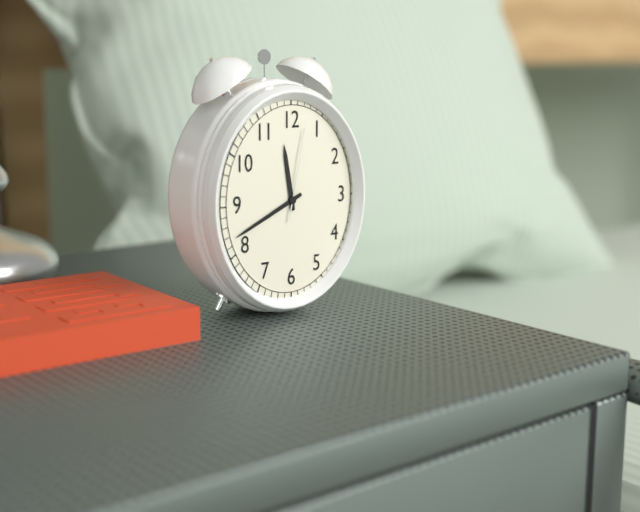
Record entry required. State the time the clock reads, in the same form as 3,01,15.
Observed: 11,41,02
